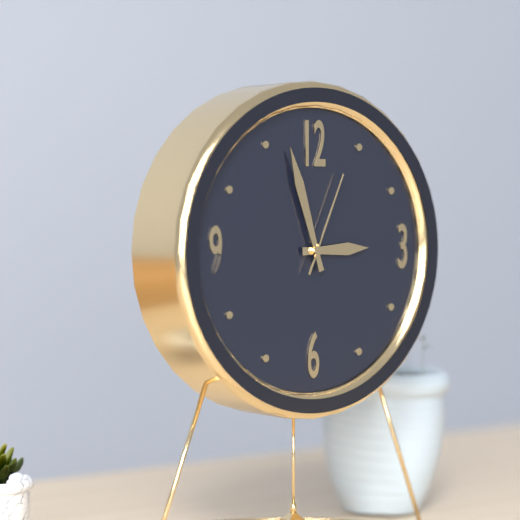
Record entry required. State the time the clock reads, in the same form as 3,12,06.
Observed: 2,57,04
